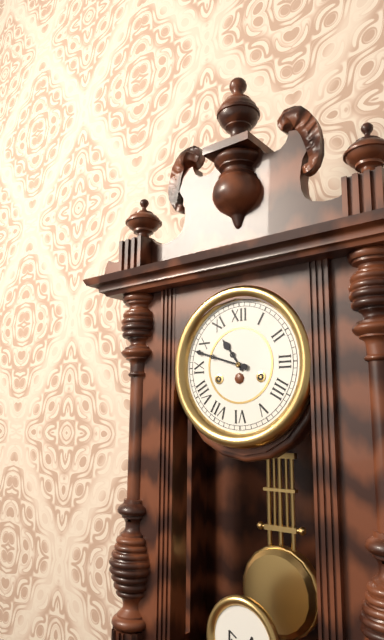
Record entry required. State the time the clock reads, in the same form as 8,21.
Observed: 10,48
